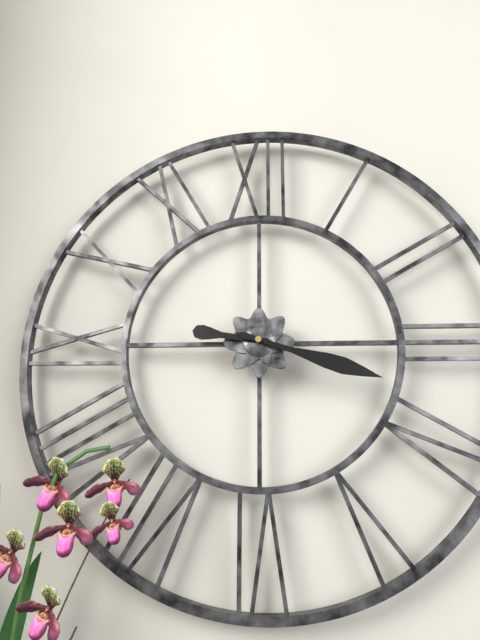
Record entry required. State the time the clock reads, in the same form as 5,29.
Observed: 9,18
